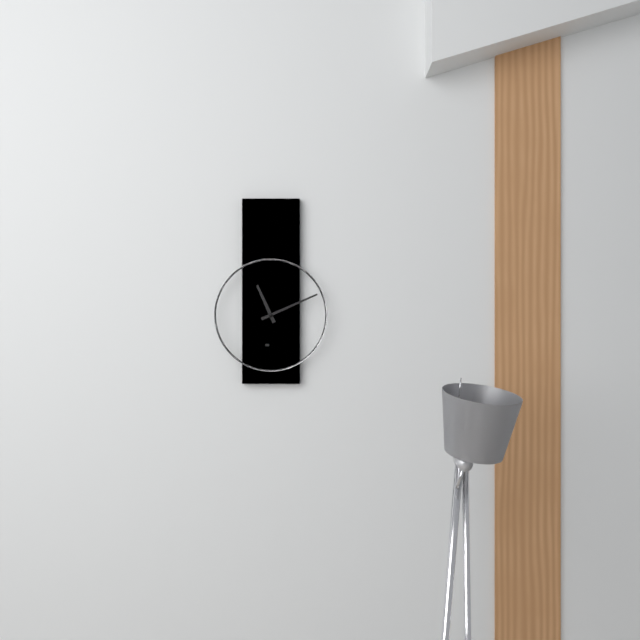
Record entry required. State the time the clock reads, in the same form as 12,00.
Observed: 11,11
